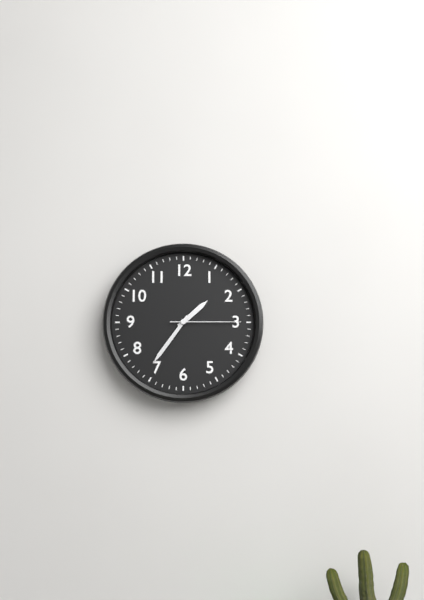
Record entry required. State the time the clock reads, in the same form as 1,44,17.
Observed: 1,36,15
